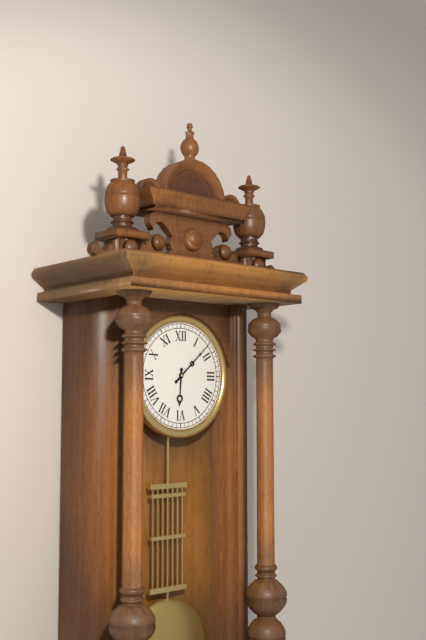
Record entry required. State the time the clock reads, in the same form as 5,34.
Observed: 6,08
